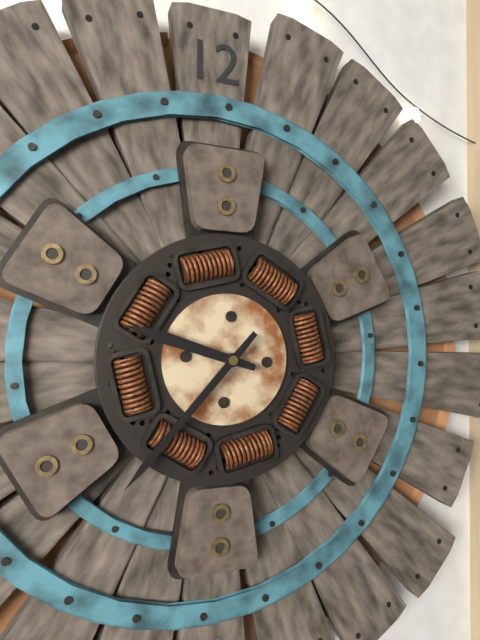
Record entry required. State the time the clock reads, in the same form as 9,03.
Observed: 9,37
